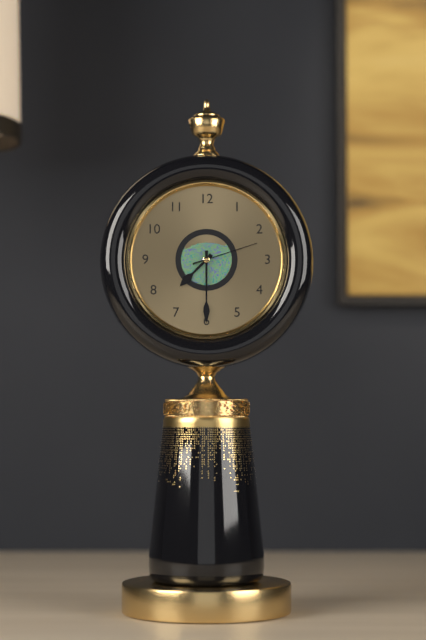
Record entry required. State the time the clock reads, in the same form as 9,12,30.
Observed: 7,30,12
